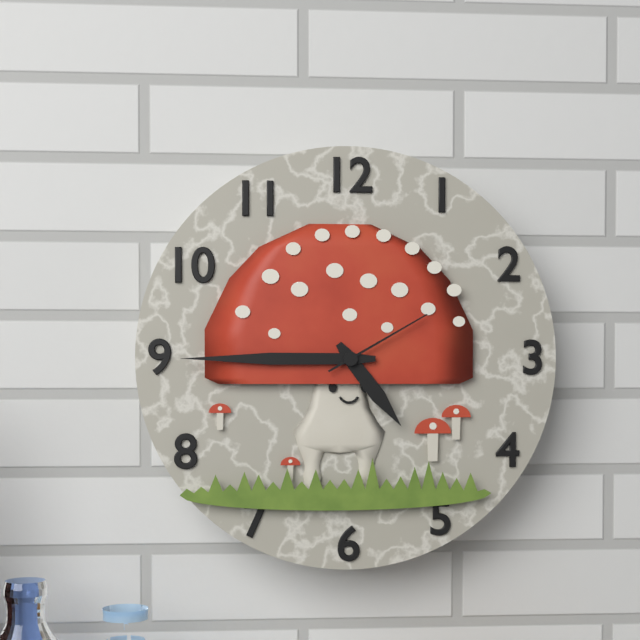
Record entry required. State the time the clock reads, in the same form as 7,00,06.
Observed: 4,45,10
